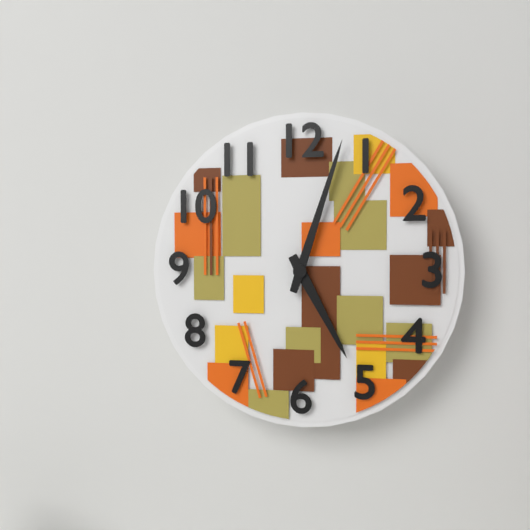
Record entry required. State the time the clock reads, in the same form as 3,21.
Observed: 5,03
